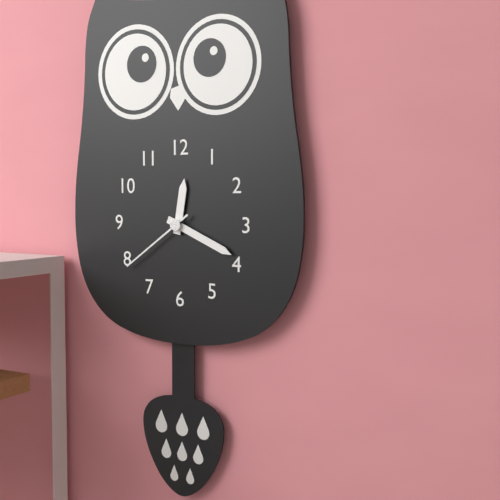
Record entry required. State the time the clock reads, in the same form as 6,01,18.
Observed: 12,19,39
